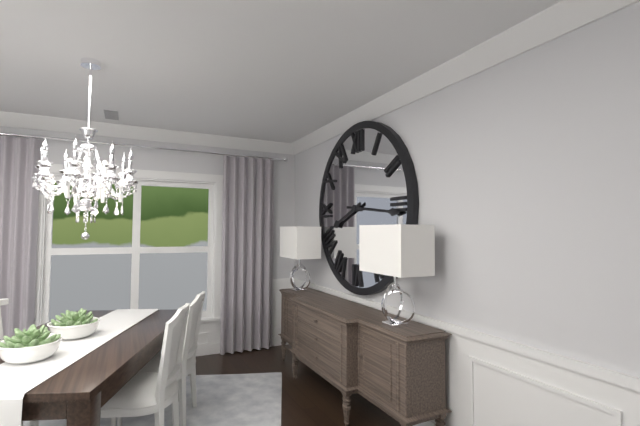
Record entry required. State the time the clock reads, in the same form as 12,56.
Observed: 8,16
